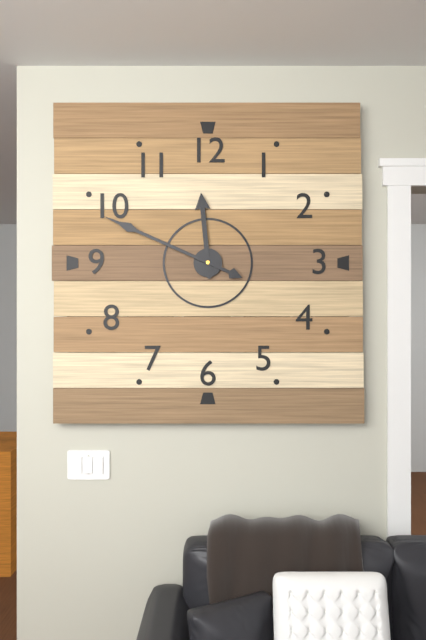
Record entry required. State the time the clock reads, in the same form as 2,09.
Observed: 11,49
